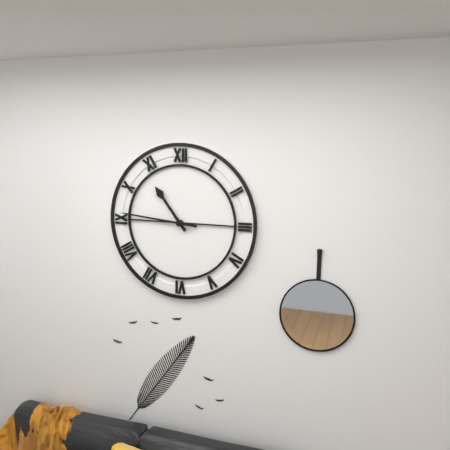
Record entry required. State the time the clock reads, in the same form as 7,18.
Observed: 10,46
